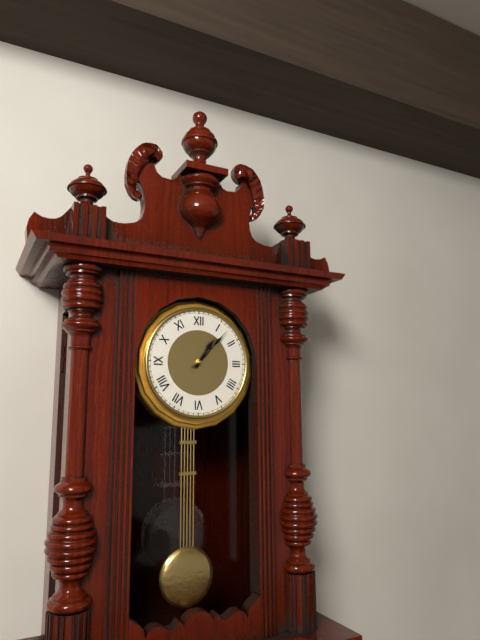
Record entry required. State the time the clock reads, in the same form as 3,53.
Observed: 1,07
